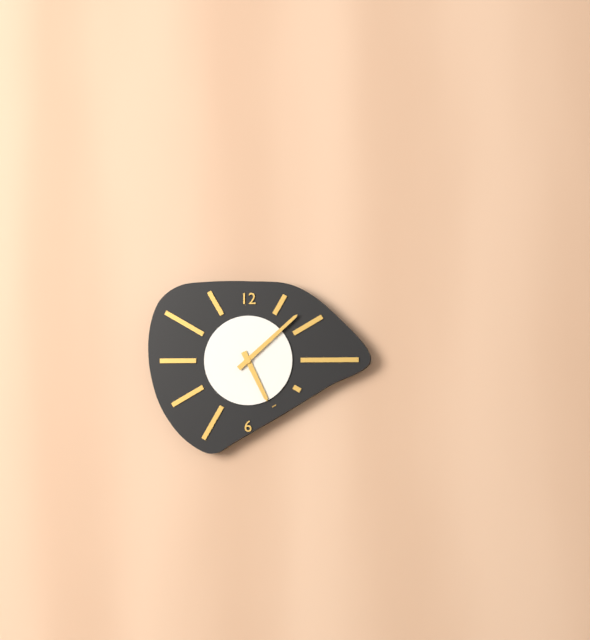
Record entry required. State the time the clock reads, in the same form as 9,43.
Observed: 5,08
